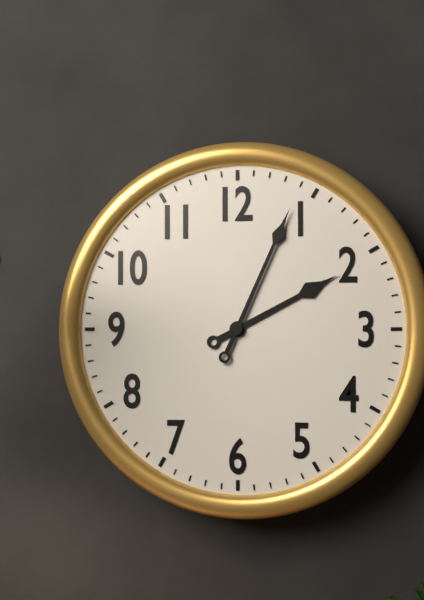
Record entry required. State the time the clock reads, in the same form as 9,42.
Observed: 2,04
